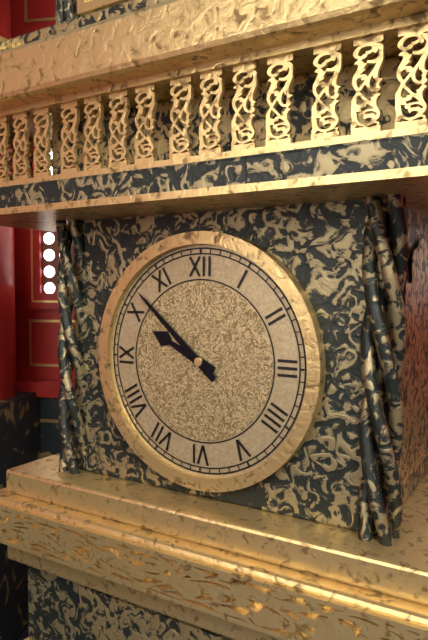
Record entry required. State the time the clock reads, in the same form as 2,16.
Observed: 9,52
